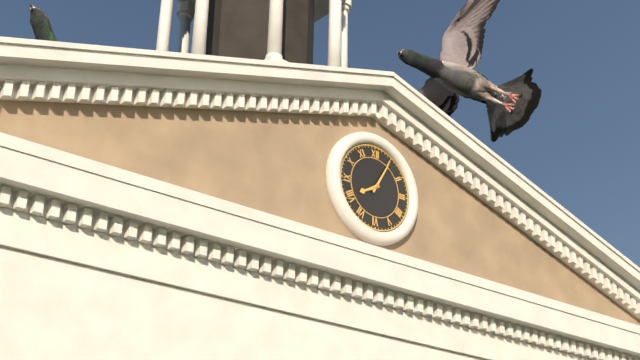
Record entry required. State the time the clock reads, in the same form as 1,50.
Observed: 8,05
